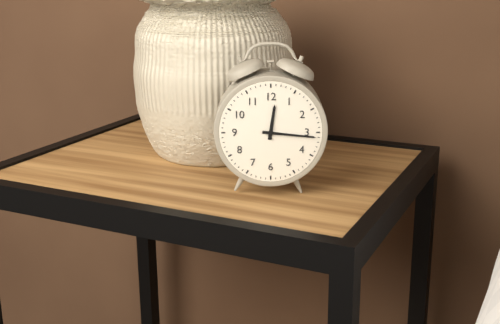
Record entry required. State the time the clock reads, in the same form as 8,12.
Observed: 12,16
